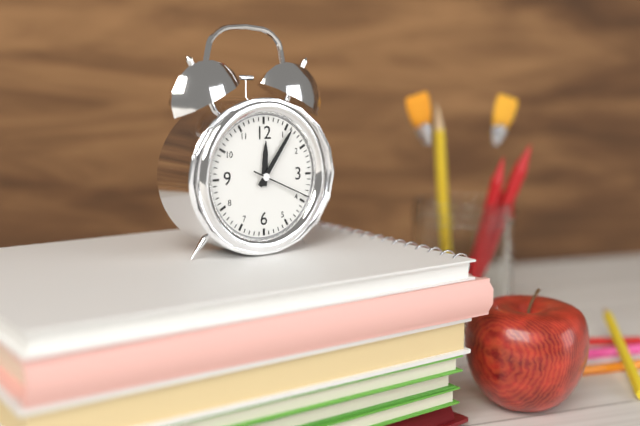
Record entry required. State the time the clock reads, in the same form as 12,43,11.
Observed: 12,06,19
